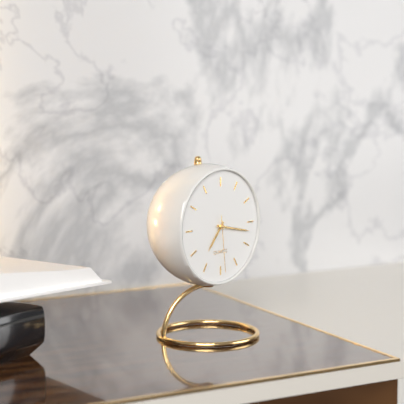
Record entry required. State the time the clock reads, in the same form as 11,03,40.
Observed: 7,17,29
